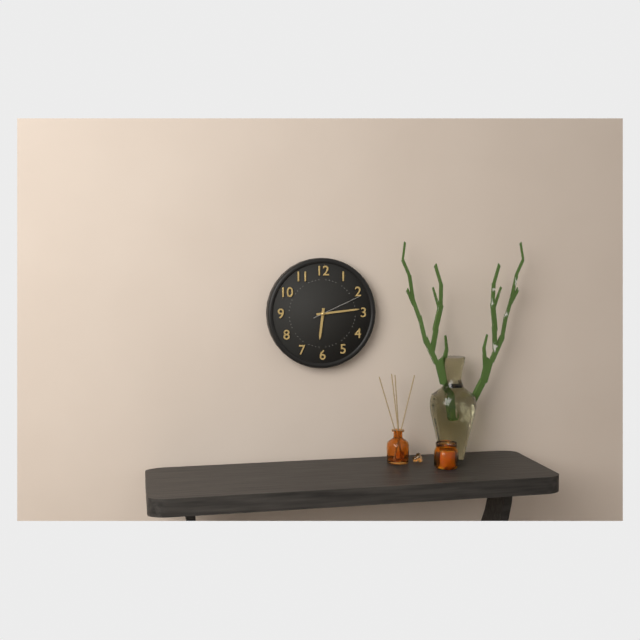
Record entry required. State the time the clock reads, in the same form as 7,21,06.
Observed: 6,14,11
